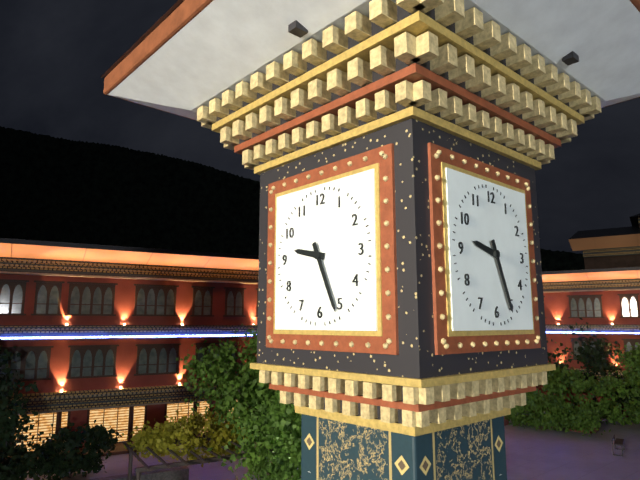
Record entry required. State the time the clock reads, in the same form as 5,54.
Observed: 9,26
